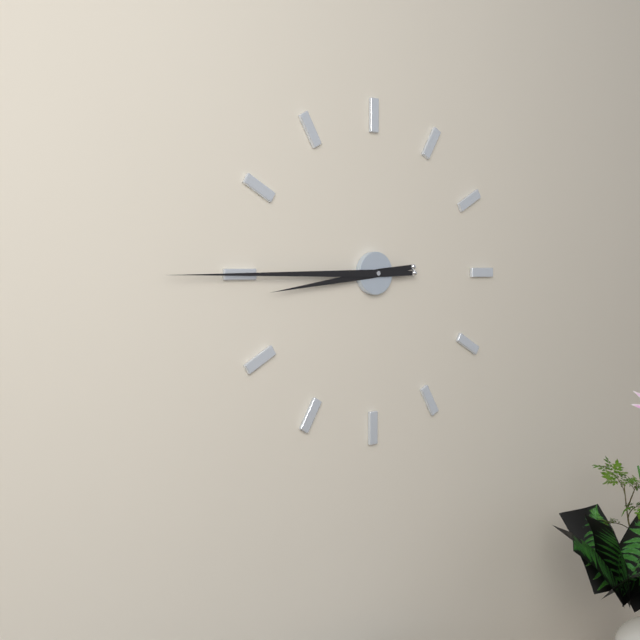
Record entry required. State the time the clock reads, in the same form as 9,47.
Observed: 8,45
